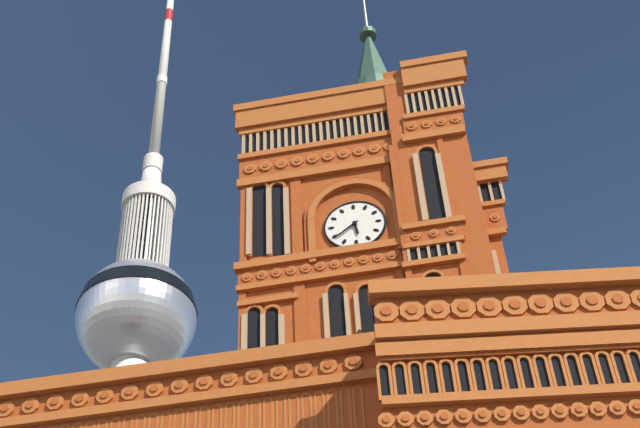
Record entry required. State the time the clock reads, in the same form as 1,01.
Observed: 5,39
